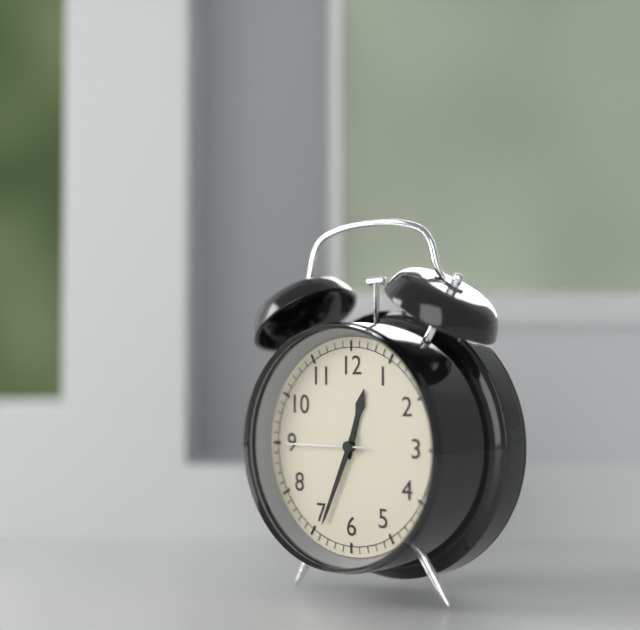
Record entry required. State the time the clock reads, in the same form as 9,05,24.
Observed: 12,34,45
